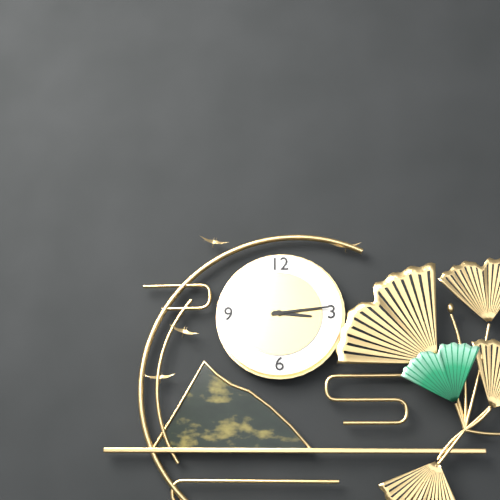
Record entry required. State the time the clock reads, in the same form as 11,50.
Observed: 3,14
